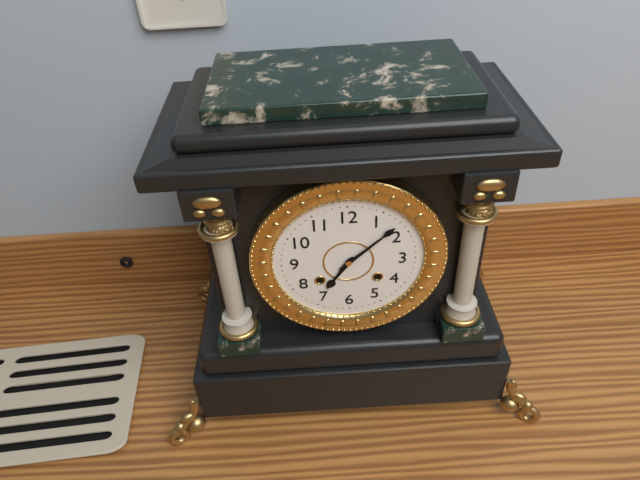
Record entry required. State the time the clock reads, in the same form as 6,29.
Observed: 7,08
